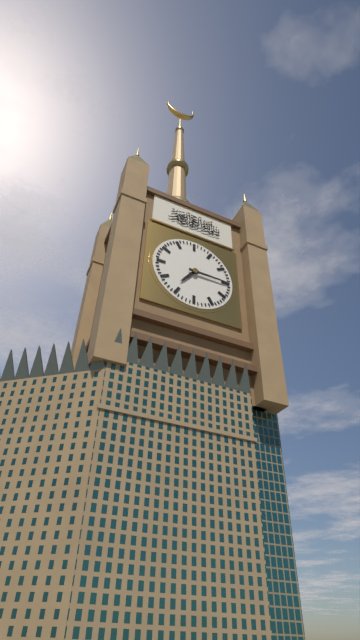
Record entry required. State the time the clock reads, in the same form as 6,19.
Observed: 7,15
